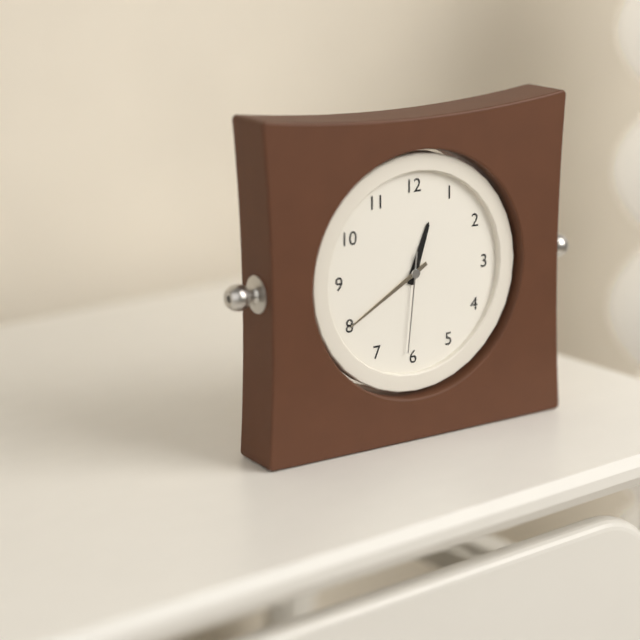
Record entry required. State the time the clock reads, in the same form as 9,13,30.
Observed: 12,40,31
